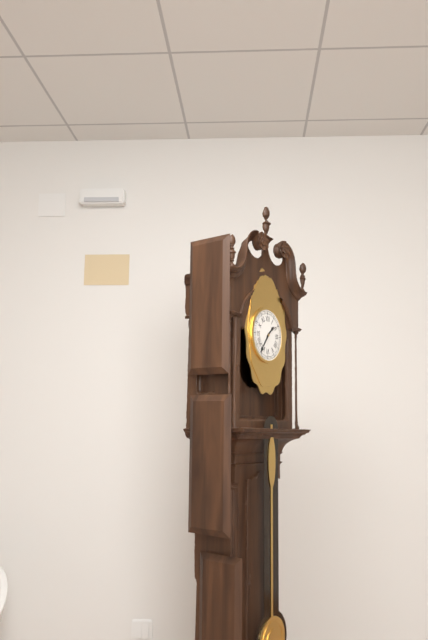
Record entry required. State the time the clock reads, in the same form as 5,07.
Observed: 1,36
